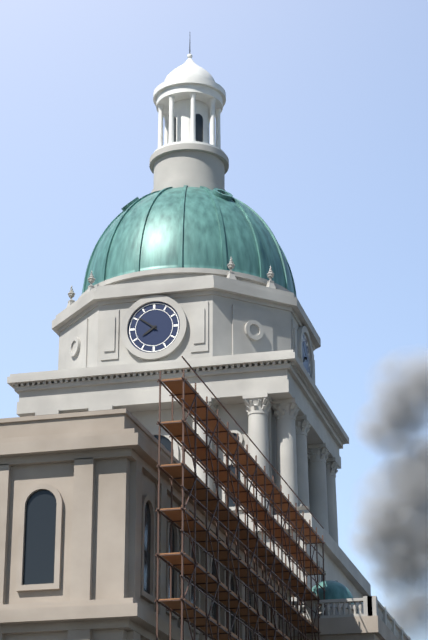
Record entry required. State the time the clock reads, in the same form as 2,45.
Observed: 7,51
